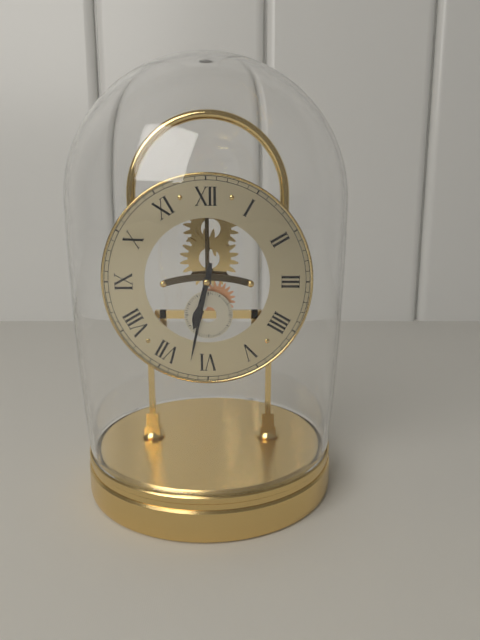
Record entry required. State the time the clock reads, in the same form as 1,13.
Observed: 6,32
